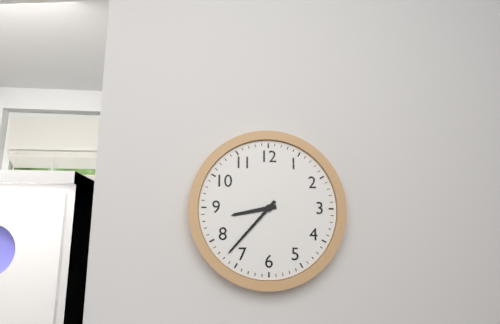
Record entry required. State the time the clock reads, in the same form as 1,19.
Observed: 8,37
